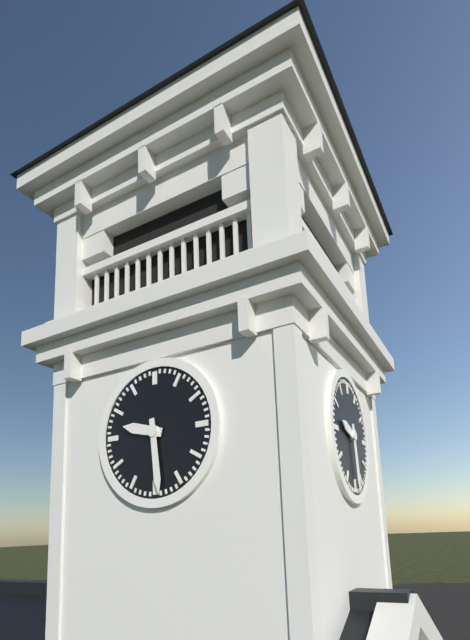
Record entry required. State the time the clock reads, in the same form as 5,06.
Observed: 9,29
